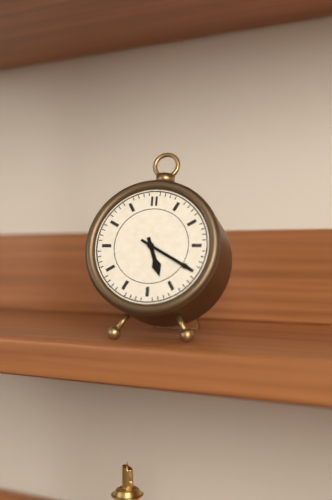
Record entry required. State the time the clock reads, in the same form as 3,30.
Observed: 5,20
